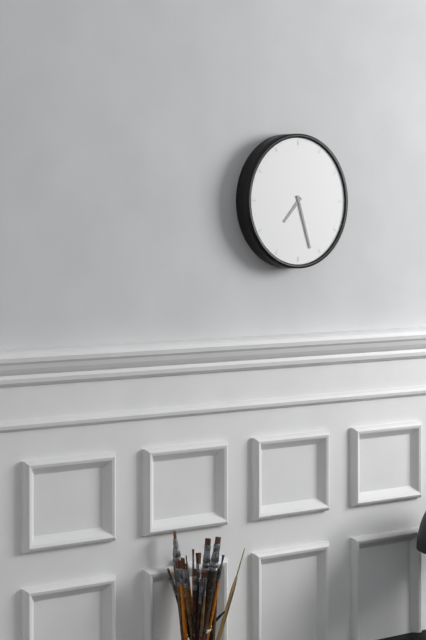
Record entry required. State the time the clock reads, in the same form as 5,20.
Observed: 7,27
